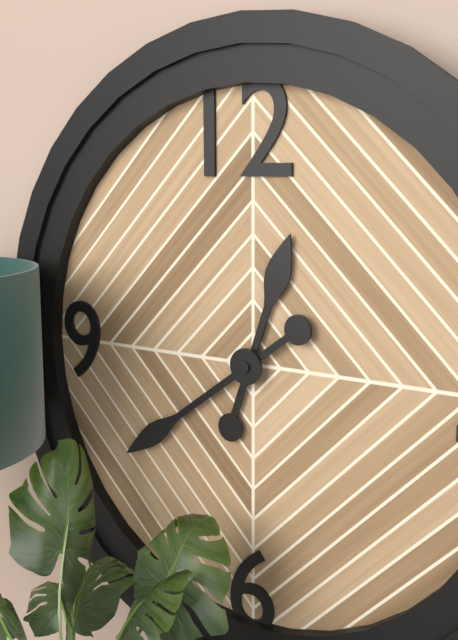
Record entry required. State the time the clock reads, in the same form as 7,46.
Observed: 12,39
